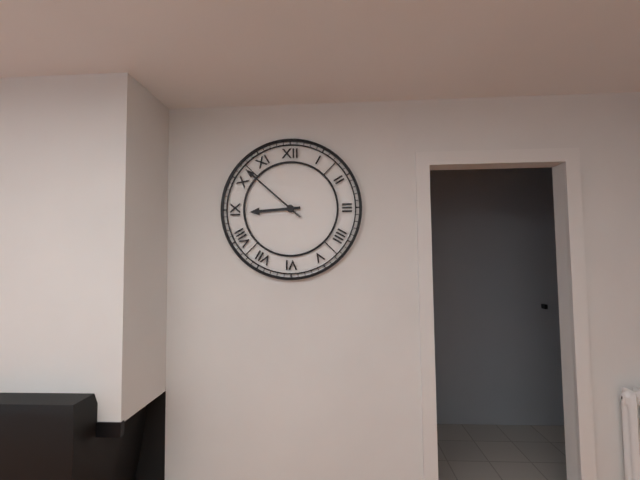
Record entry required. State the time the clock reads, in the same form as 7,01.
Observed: 8,52
